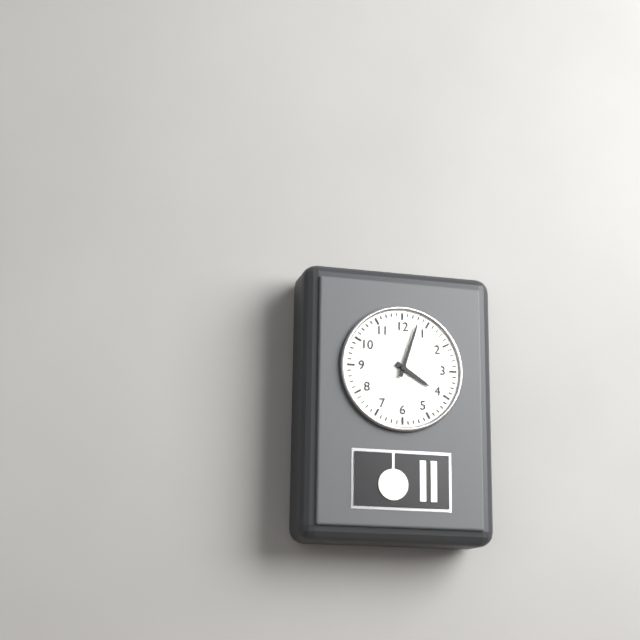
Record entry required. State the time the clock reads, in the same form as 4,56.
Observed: 4,03
